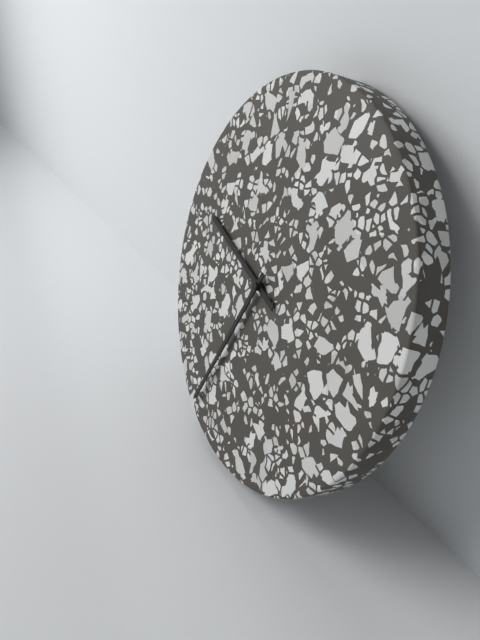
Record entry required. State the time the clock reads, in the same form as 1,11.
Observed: 9,34
